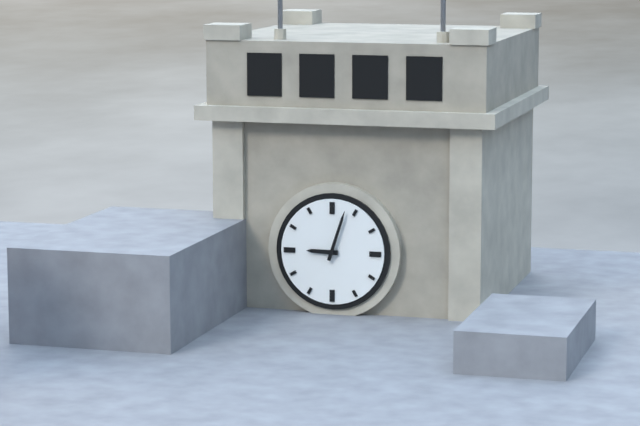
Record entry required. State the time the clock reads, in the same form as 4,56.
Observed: 9,03
